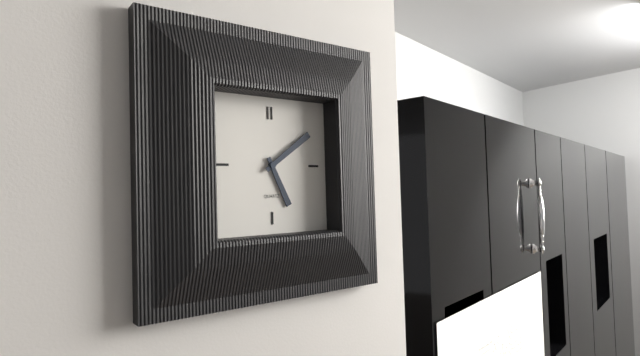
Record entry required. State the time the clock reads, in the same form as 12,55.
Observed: 5,09
